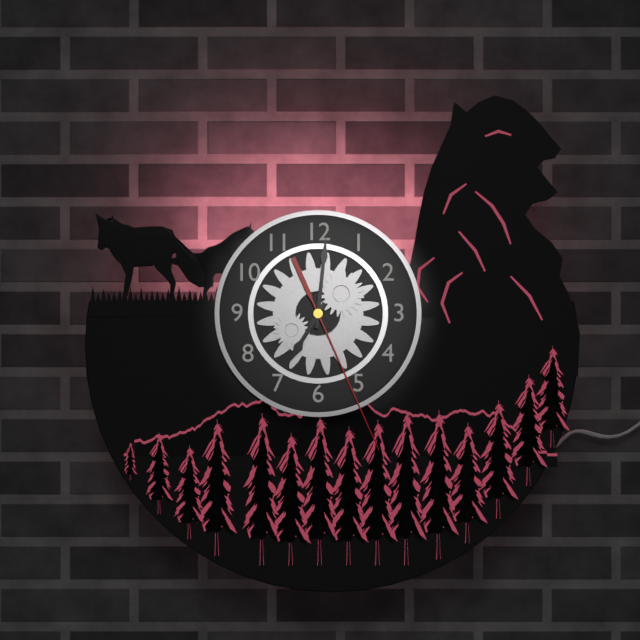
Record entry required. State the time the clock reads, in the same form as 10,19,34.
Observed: 7,01,26
